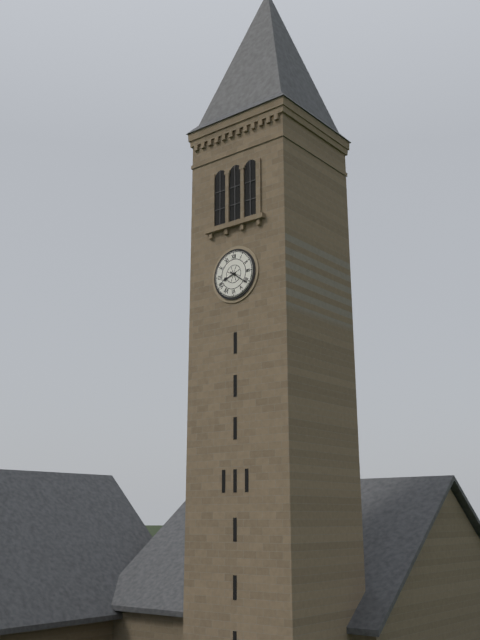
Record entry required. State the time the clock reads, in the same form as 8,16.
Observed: 8,21
